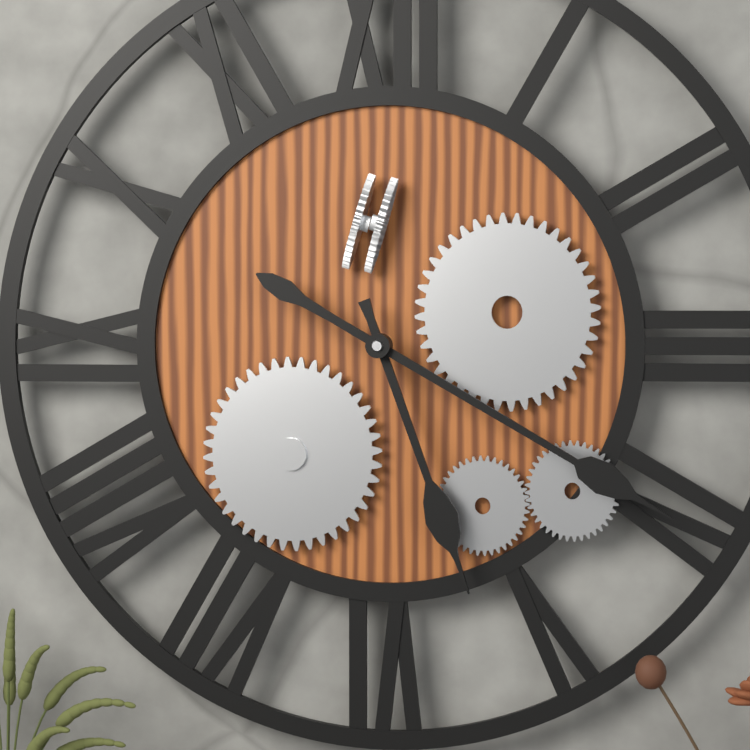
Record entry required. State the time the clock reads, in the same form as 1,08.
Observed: 5,20
